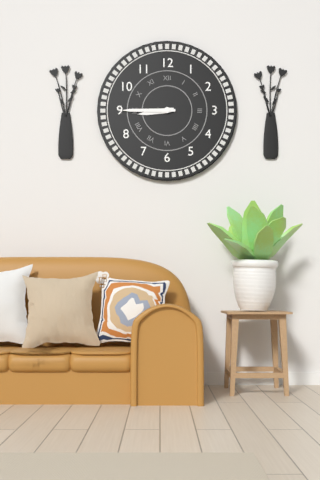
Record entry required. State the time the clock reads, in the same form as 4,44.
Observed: 8,45
